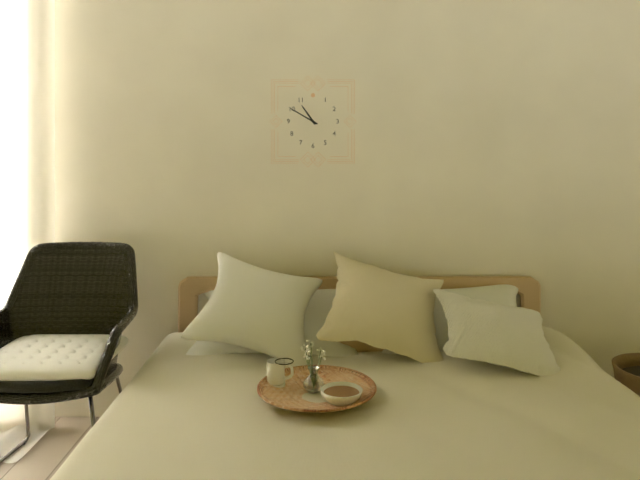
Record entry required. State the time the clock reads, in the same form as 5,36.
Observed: 10,50
